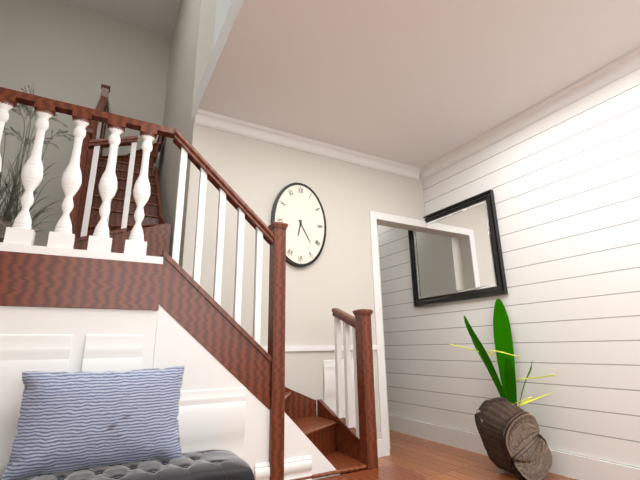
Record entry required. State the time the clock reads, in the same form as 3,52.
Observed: 6,25
